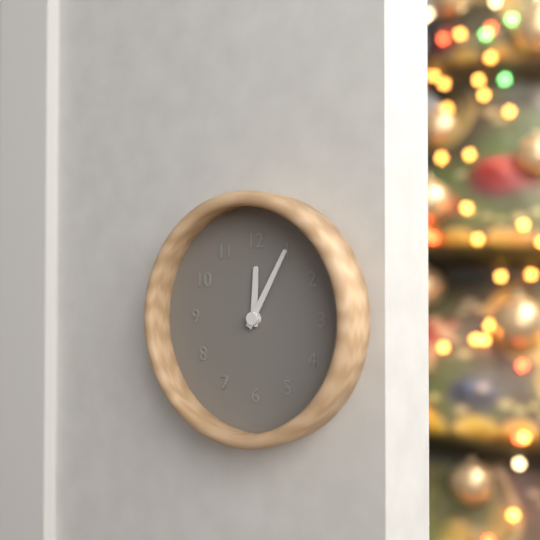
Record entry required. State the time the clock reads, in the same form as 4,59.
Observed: 12,05
